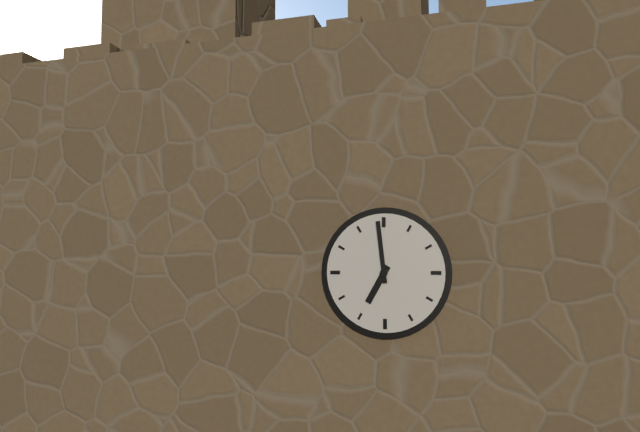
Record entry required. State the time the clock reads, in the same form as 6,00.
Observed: 6,59
